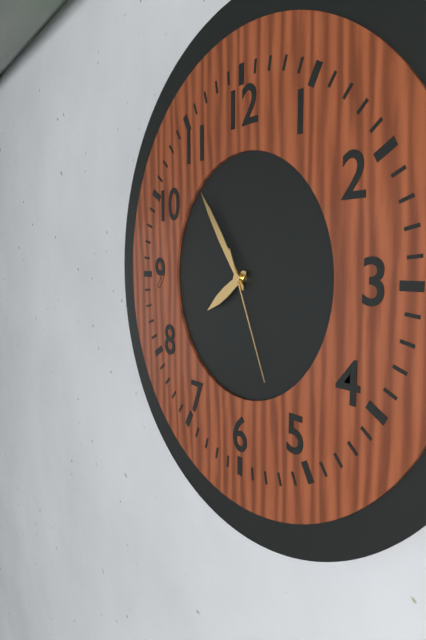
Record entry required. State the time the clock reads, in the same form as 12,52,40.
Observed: 7,54,26
